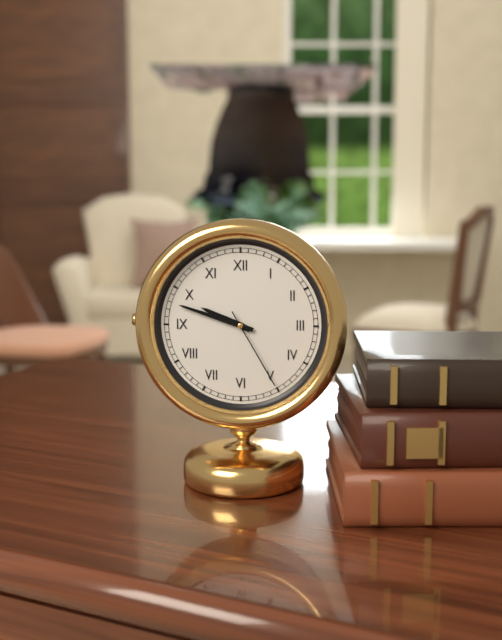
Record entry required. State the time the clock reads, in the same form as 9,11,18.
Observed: 9,48,25
